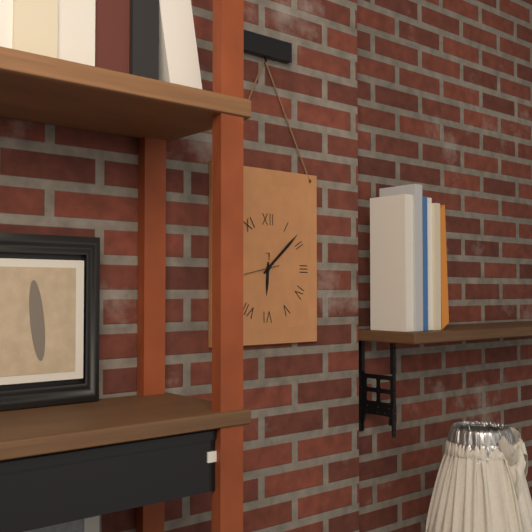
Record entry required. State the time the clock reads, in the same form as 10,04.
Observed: 6,08
